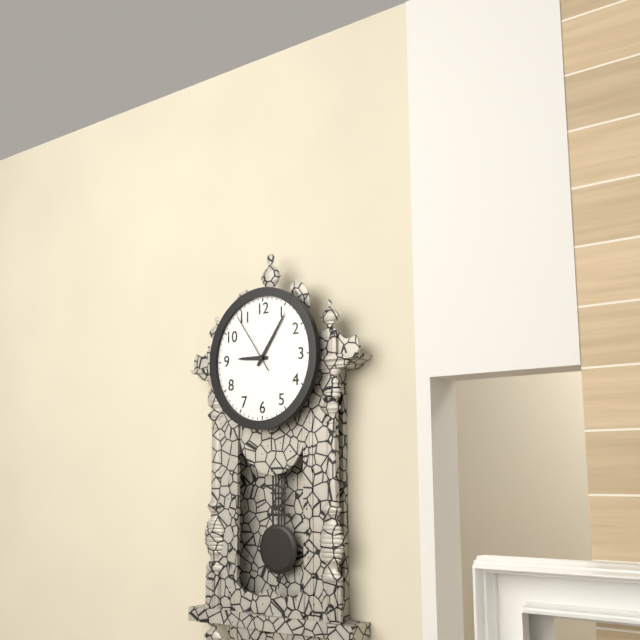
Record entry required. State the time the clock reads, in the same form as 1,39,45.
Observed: 9,06,54
